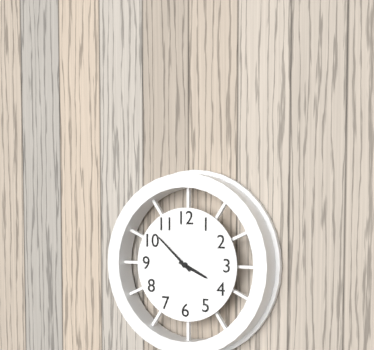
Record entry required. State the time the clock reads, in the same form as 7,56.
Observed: 3,52
